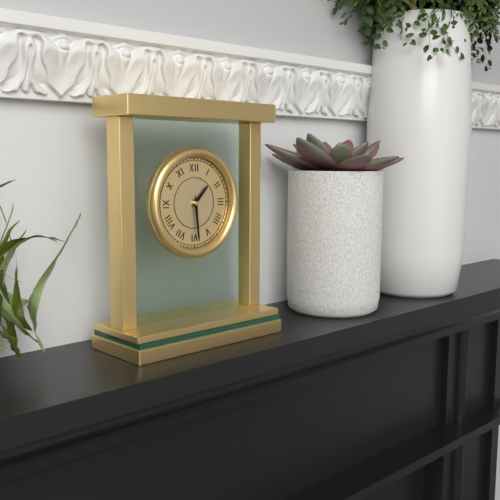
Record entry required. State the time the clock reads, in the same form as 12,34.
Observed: 1,29
